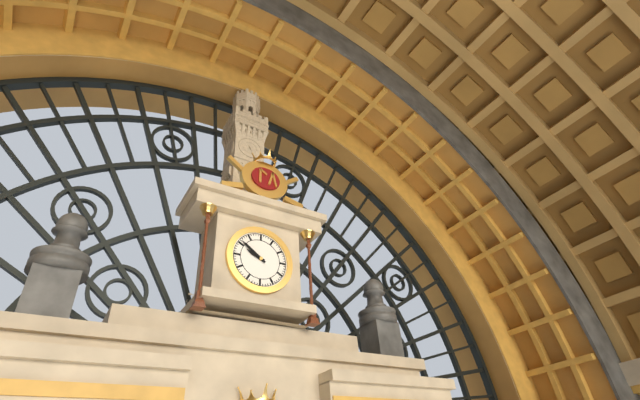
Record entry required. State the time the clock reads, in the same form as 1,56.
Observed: 9,51
